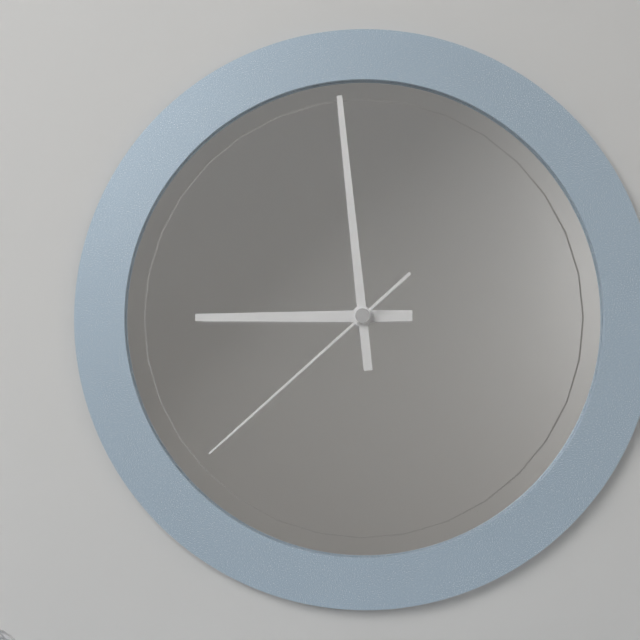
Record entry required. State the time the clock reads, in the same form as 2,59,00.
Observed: 8,59,38
